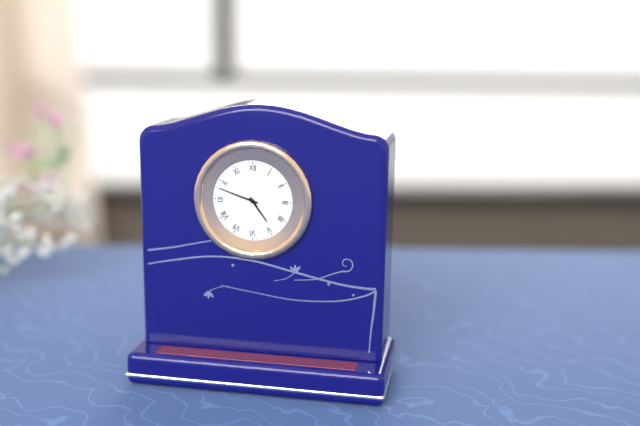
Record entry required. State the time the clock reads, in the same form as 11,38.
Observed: 4,48
